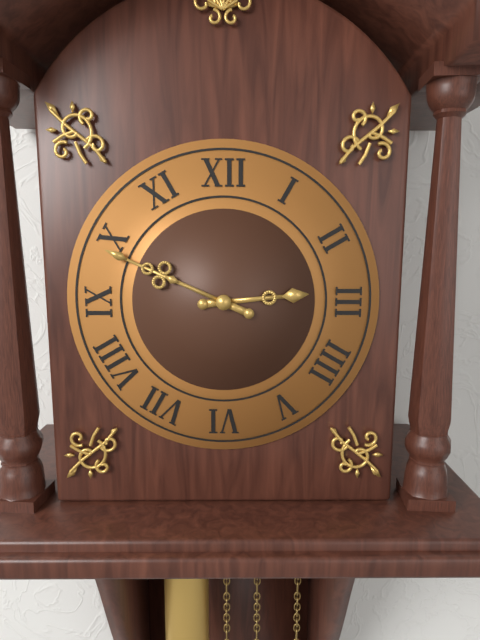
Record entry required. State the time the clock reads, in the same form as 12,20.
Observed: 2,49
